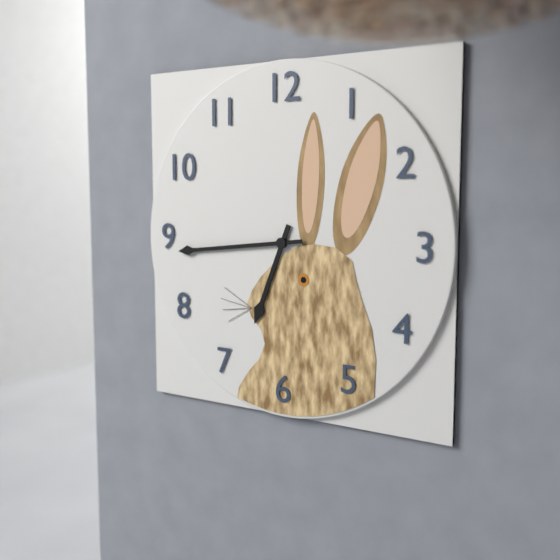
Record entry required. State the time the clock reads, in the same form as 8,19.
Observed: 6,44
